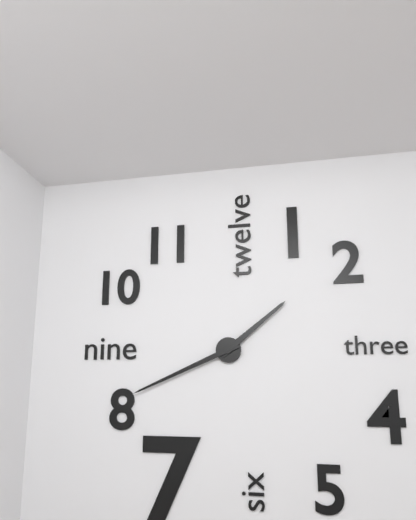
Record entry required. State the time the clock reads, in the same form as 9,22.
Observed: 1,41
